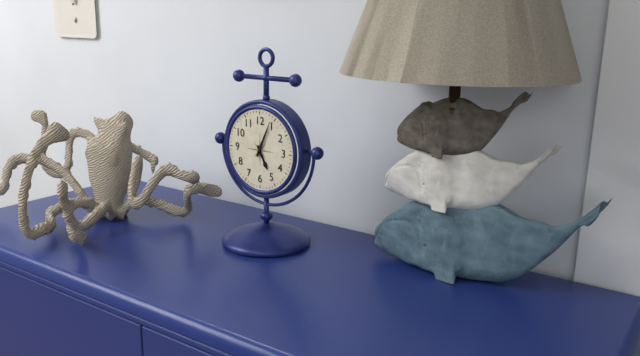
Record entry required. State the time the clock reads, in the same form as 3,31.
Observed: 5,04
